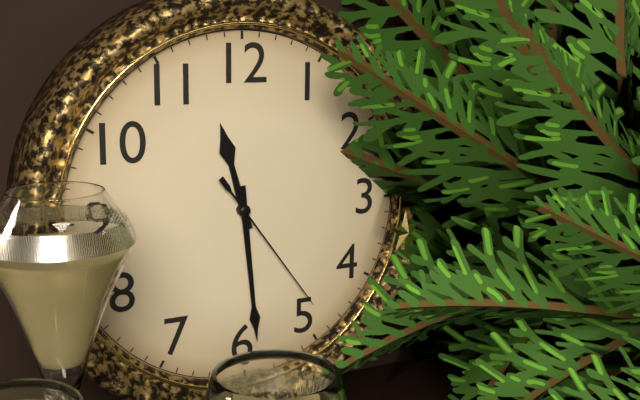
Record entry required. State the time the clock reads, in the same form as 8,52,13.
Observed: 11,29,24
